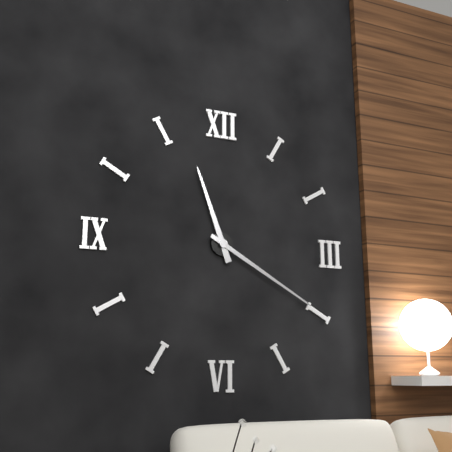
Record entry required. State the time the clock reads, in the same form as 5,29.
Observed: 11,20
